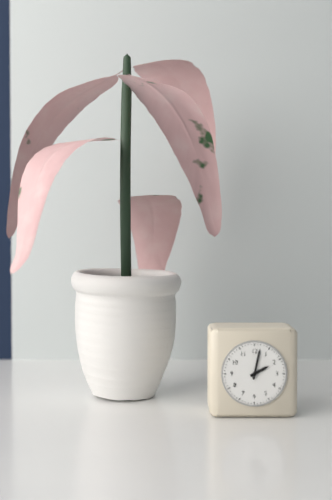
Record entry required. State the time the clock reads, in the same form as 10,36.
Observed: 2,02
